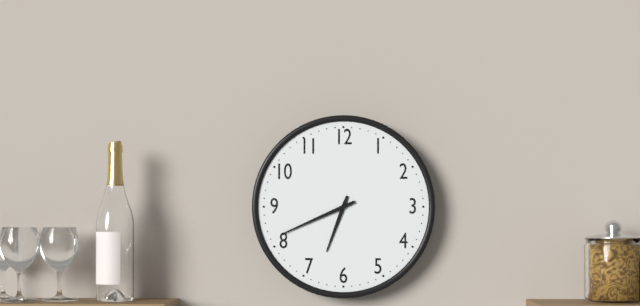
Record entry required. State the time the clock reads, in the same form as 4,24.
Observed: 6,41
